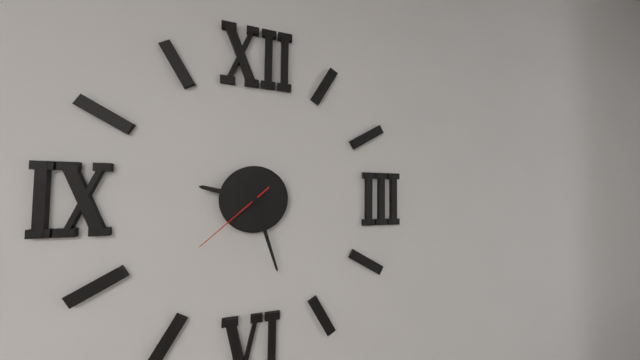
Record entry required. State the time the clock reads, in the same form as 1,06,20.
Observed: 9,27,38
